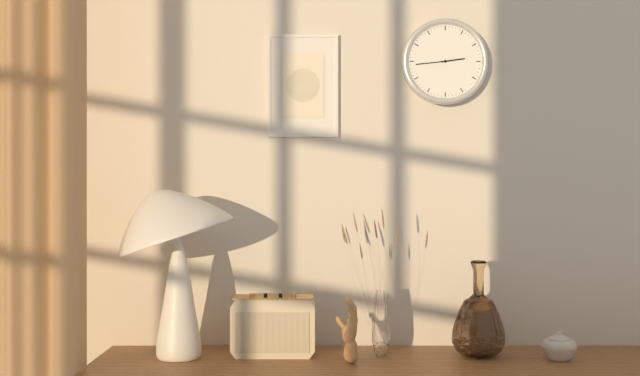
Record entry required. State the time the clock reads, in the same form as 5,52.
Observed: 2,44
